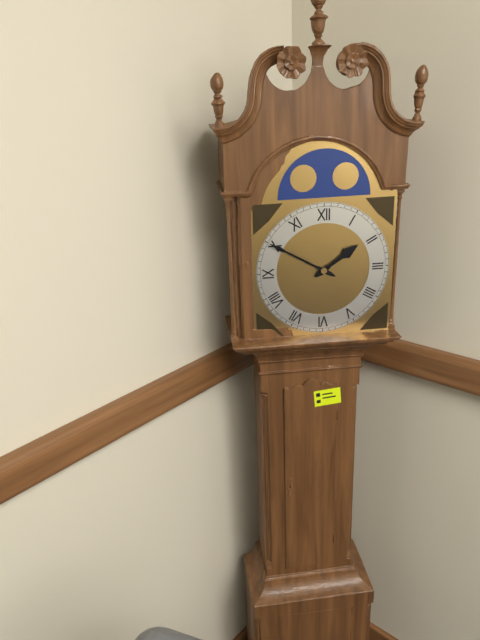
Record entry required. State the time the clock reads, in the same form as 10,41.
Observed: 1,50
